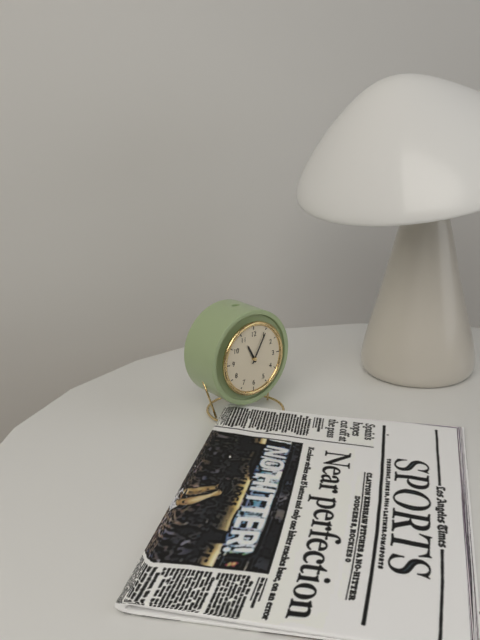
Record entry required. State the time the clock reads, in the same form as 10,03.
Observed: 11,05
